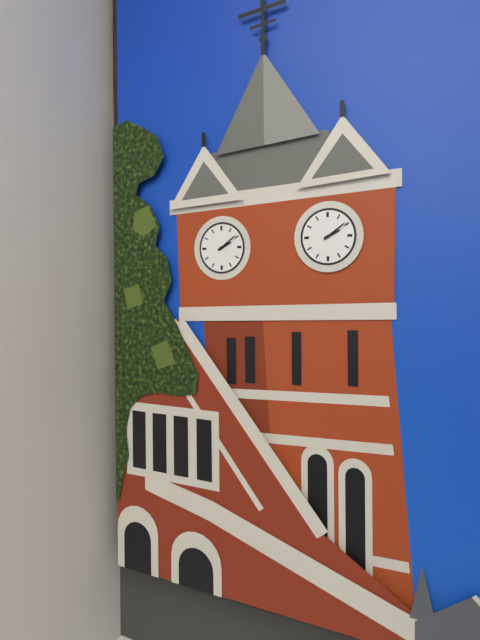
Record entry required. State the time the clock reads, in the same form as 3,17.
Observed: 2,09
